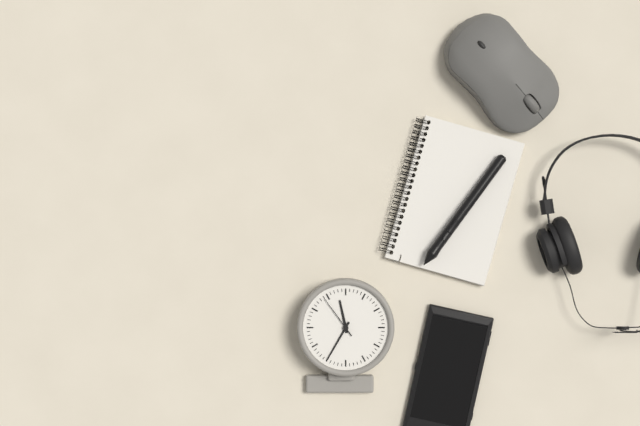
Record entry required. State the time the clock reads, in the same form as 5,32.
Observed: 11,35
